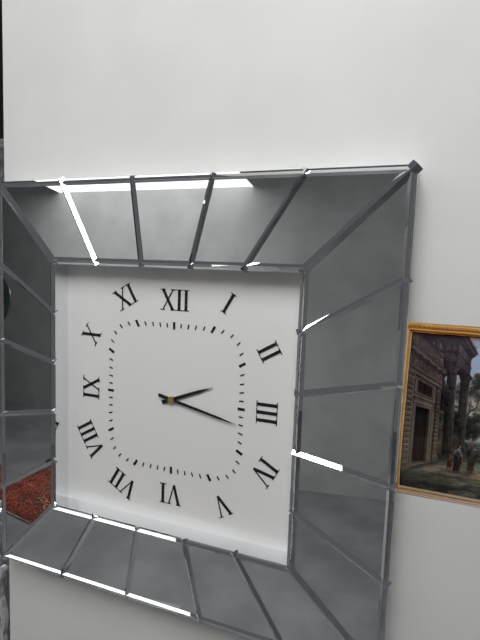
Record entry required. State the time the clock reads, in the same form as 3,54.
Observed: 2,17
